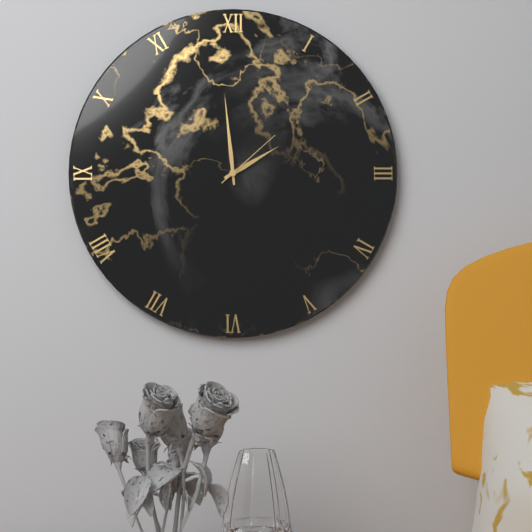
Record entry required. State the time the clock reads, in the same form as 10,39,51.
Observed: 1,59,08
